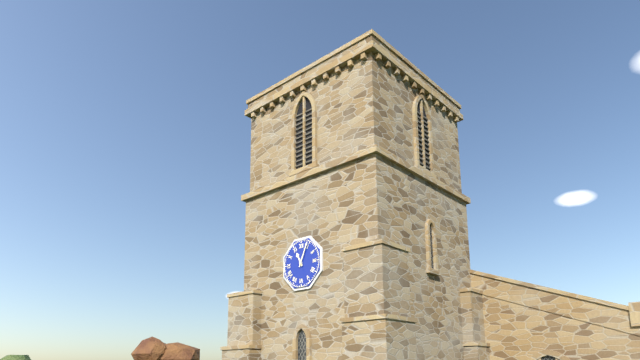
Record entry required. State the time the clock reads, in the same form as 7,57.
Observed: 11,04
